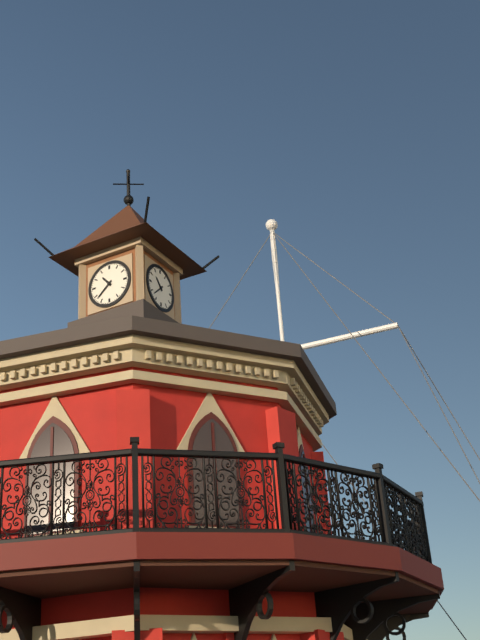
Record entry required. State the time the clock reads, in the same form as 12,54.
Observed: 10,38
